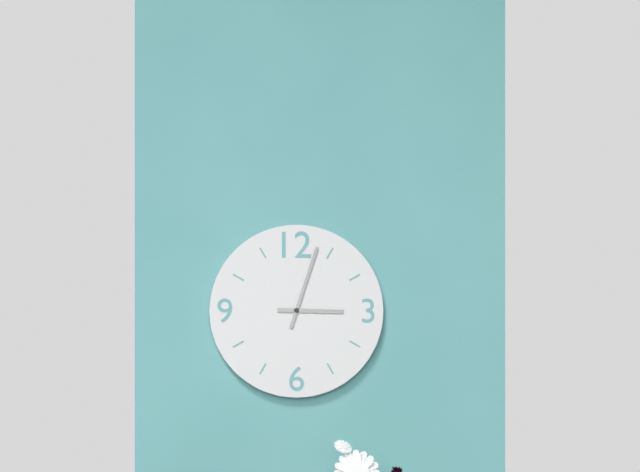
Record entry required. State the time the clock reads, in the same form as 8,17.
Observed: 3,03
